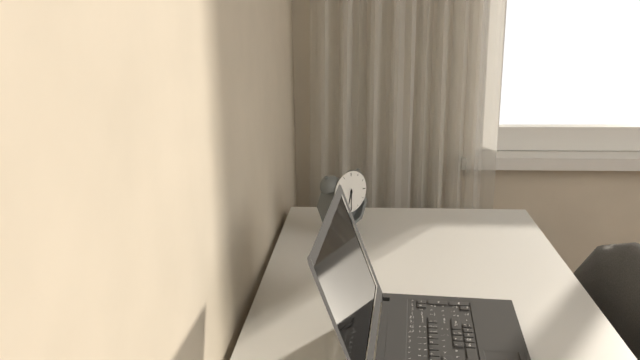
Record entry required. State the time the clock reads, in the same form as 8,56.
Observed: 6,30
